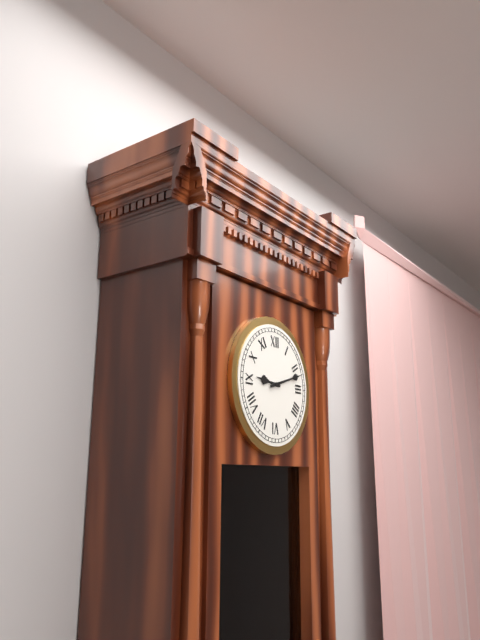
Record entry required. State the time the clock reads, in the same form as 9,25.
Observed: 9,12
